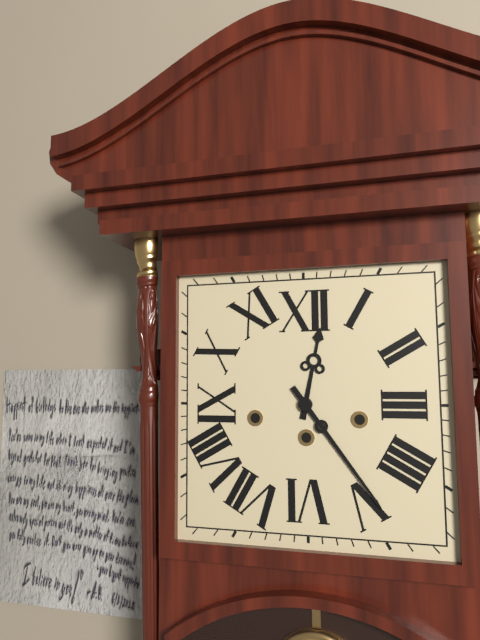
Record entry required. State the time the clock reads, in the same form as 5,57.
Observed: 12,24
